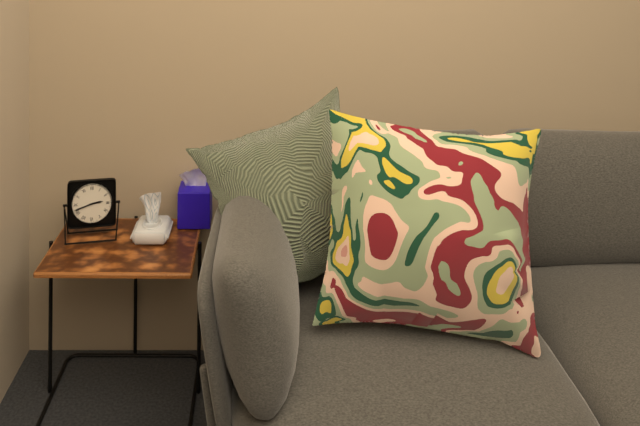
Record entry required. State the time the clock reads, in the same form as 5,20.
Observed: 2,42
